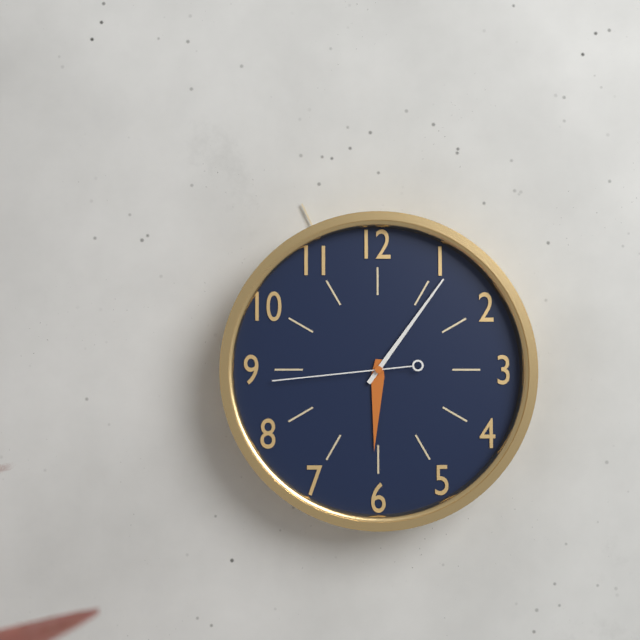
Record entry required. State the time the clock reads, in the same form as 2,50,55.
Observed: 6,06,44
